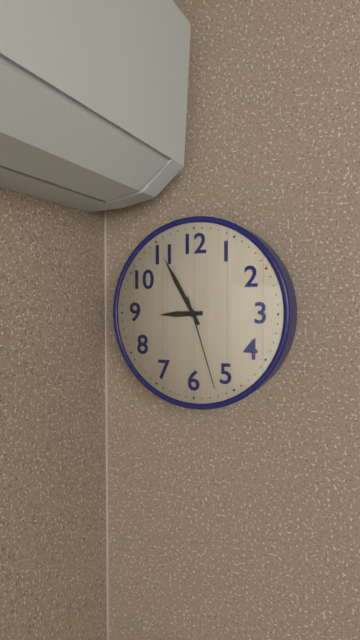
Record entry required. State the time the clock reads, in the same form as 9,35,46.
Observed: 8,55,27
